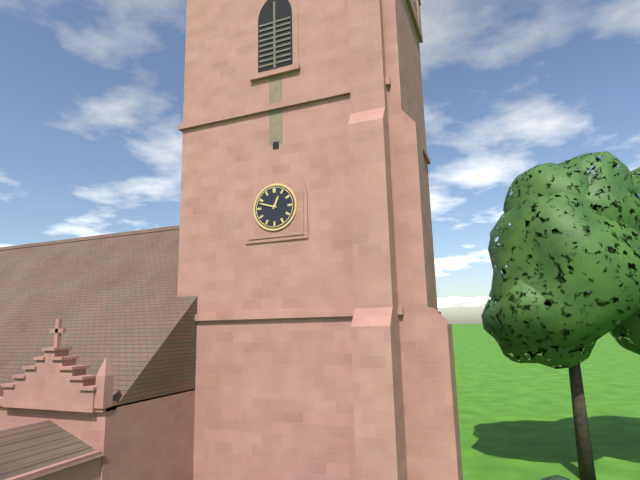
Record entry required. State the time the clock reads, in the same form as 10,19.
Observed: 12,48
